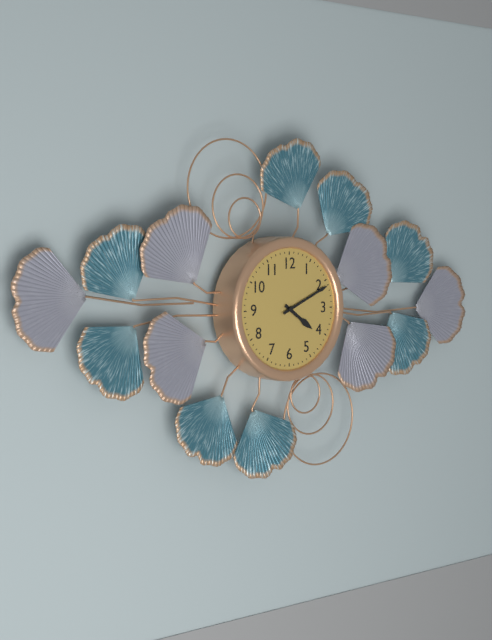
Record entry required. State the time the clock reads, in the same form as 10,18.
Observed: 4,11
